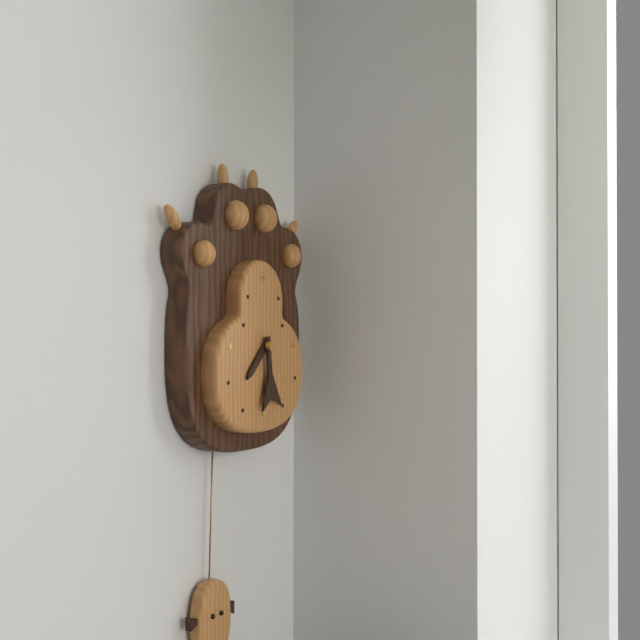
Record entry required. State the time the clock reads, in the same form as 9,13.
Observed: 7,29
